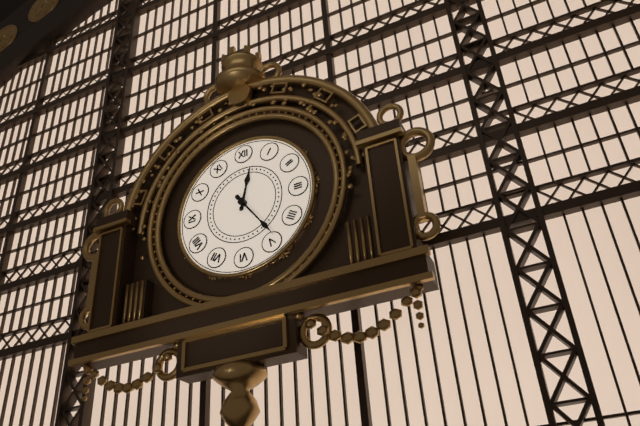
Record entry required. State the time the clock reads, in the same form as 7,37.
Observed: 12,24
